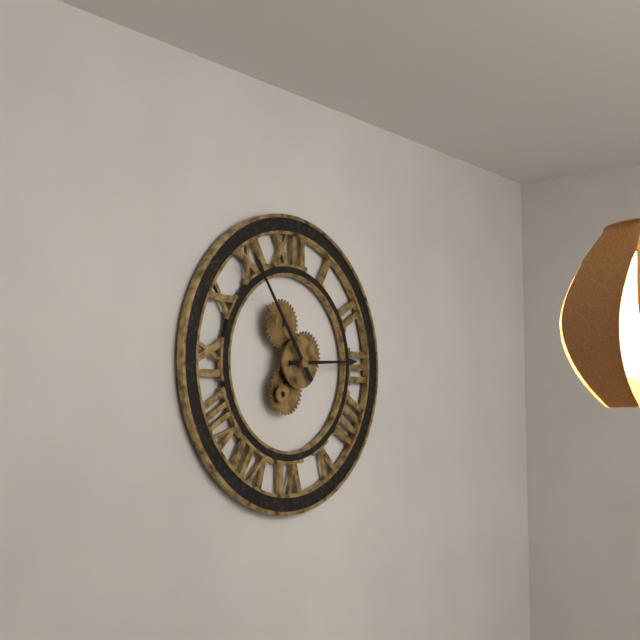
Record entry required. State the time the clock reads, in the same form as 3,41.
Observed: 2,54
